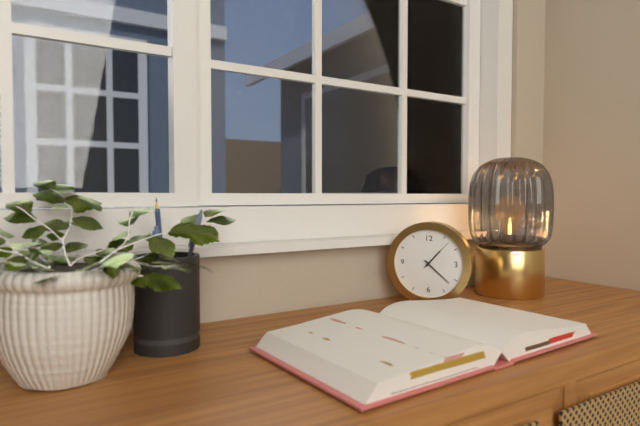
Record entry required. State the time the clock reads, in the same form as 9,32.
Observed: 1,22
